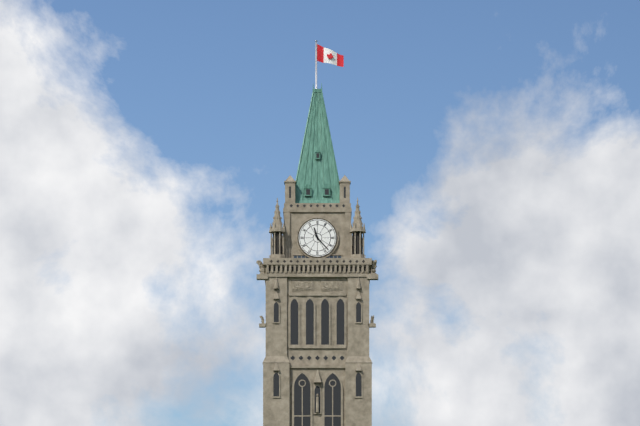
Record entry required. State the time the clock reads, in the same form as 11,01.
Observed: 11,23
